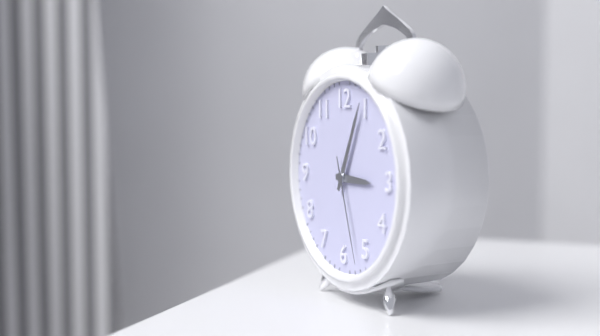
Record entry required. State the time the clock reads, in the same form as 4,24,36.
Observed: 3,04,27
